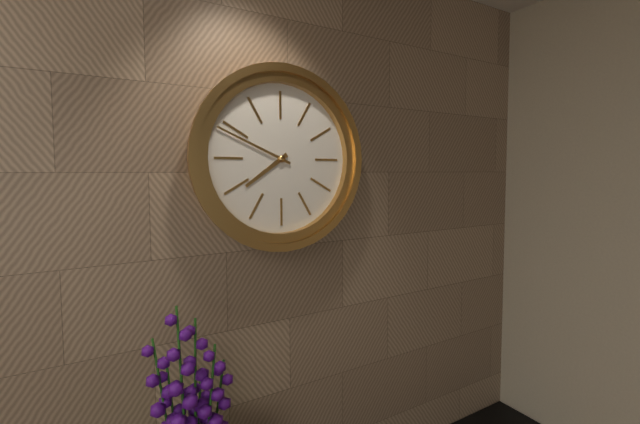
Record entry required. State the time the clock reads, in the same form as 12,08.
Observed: 7,49
